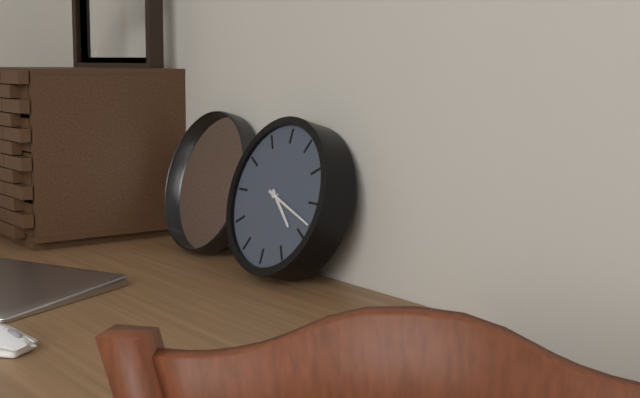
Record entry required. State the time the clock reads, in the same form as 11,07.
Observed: 4,18
